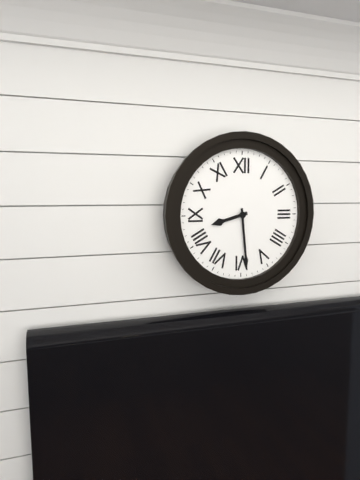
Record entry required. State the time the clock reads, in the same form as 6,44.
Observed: 8,29
